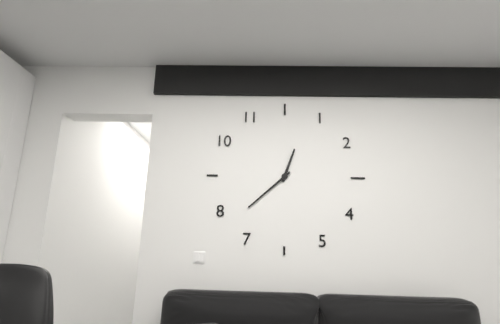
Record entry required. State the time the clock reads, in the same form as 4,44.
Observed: 12,38
